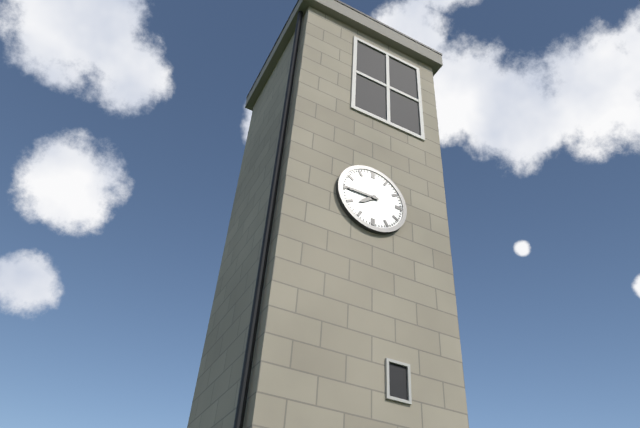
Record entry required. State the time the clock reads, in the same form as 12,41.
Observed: 7,45
